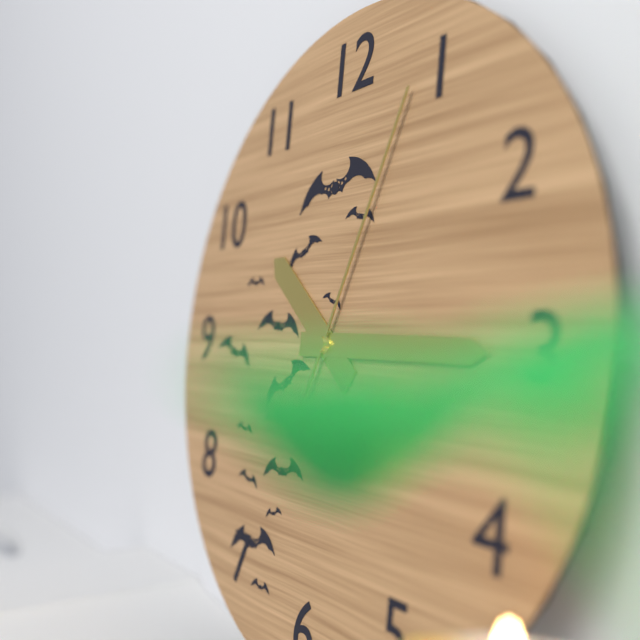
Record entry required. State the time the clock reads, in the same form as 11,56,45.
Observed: 10,15,04
